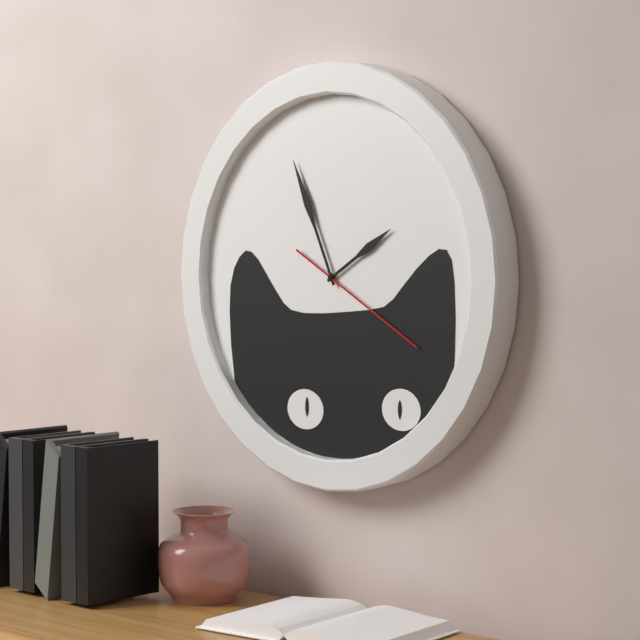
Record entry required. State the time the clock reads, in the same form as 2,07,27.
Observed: 1,56,20
